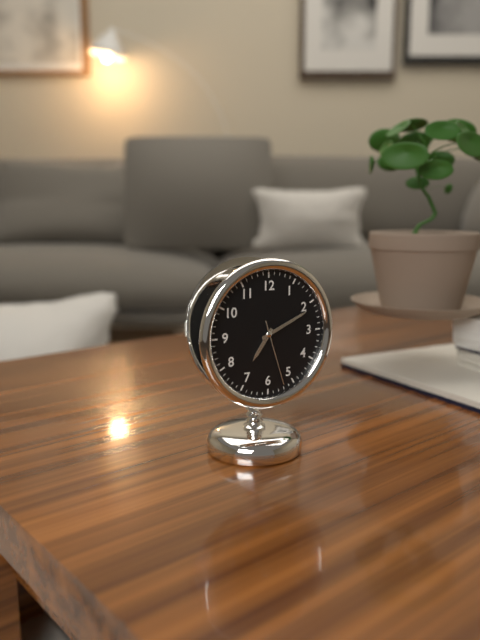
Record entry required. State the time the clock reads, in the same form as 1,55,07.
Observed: 7,11,27
